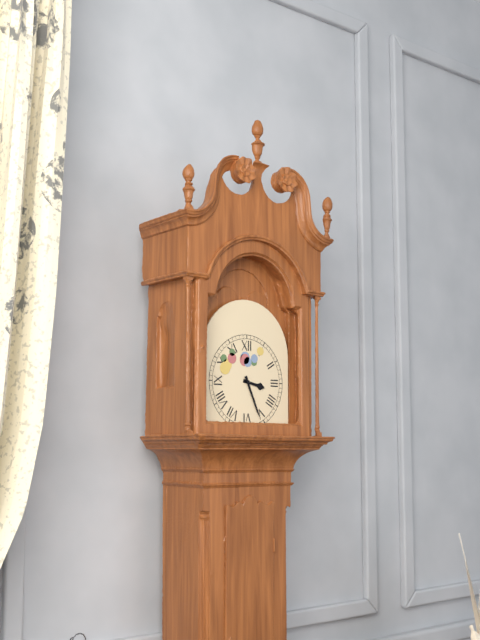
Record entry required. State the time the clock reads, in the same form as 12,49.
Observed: 3,26
